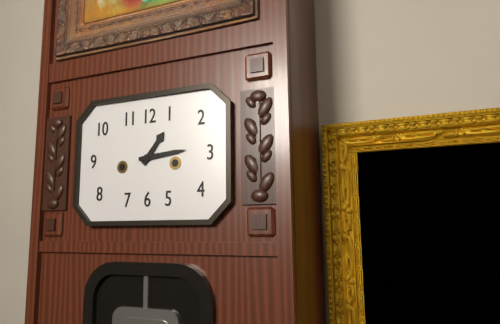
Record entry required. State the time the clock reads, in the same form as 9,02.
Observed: 1,14
